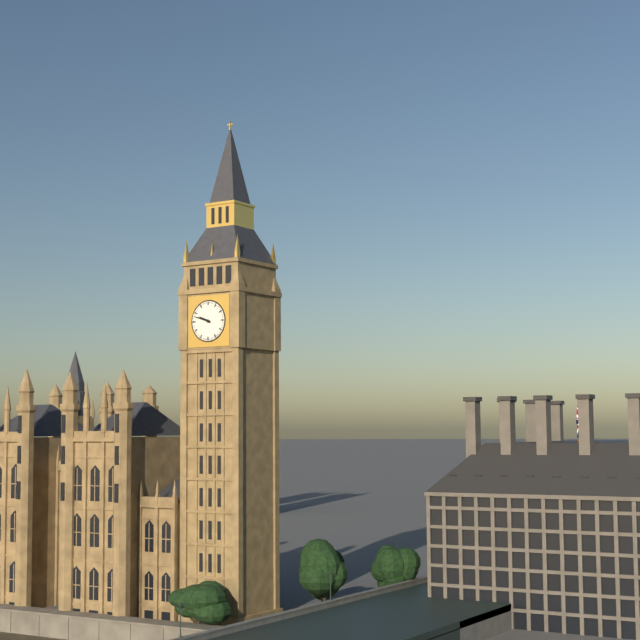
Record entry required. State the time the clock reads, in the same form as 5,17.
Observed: 9,48
